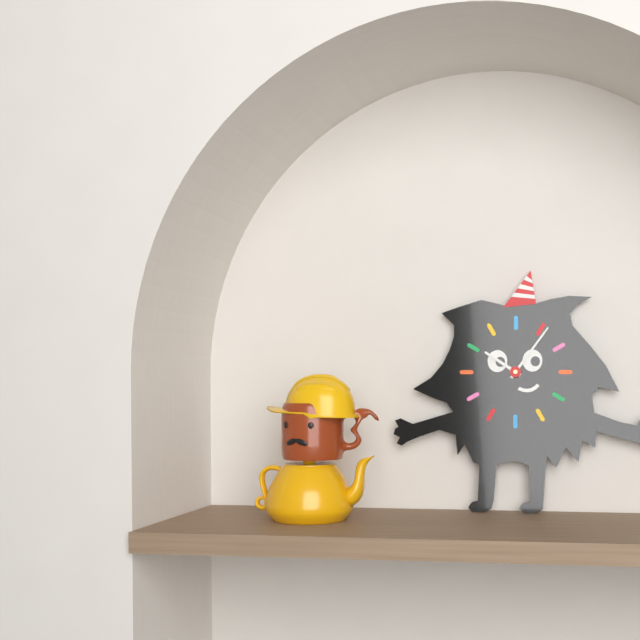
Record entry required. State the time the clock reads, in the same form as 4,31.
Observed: 10,06
